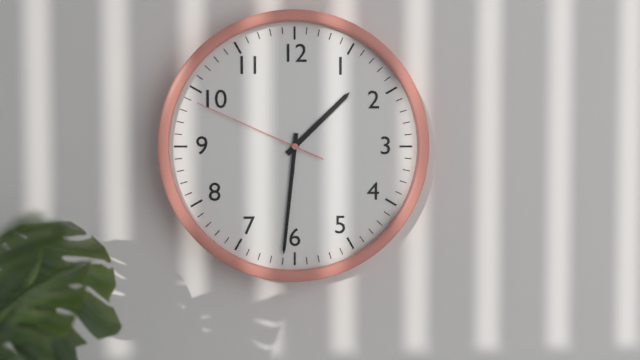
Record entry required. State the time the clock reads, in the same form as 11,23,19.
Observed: 1,31,49
